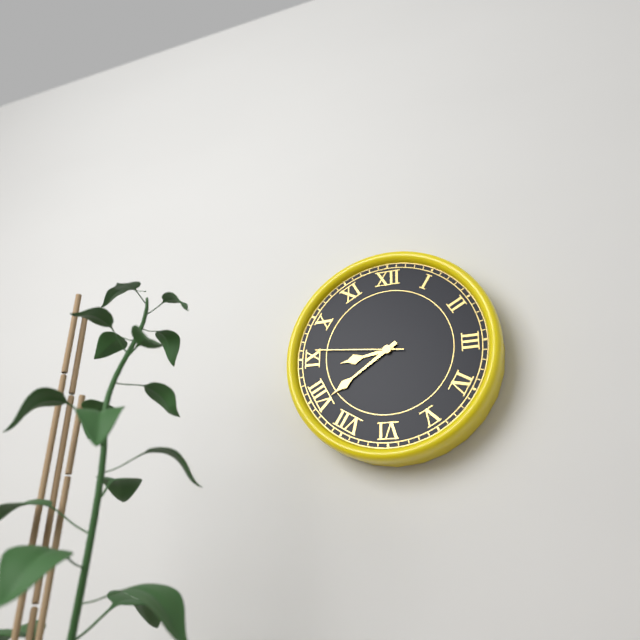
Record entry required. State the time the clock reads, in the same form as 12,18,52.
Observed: 8,39,46
